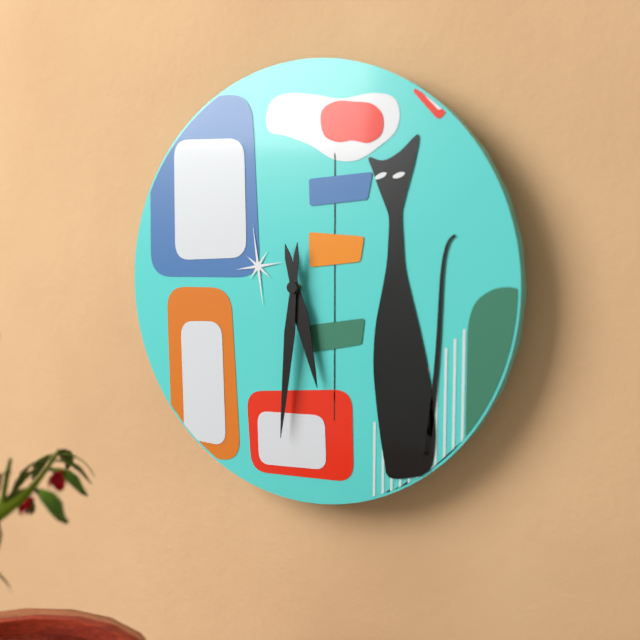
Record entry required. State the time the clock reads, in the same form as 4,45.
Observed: 5,31
